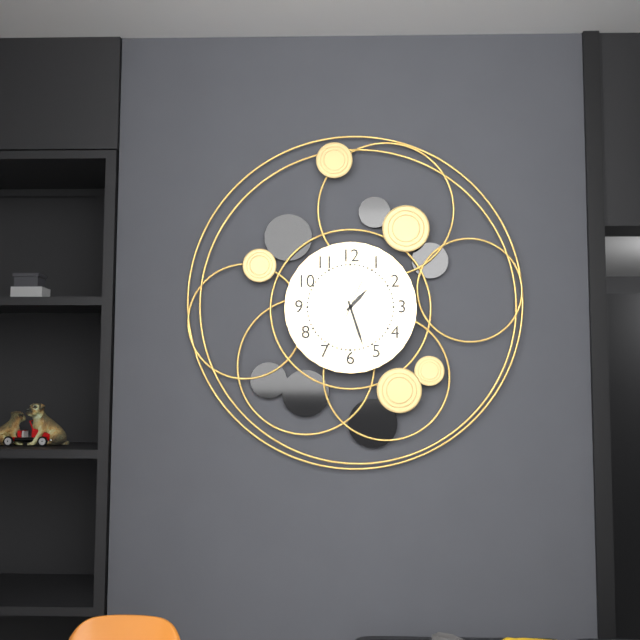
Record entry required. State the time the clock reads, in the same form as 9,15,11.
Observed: 1,27,04
